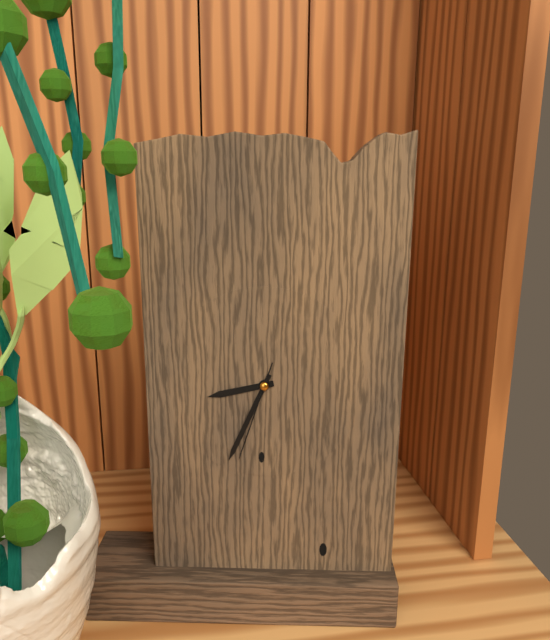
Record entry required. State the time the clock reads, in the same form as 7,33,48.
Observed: 8,34,33
